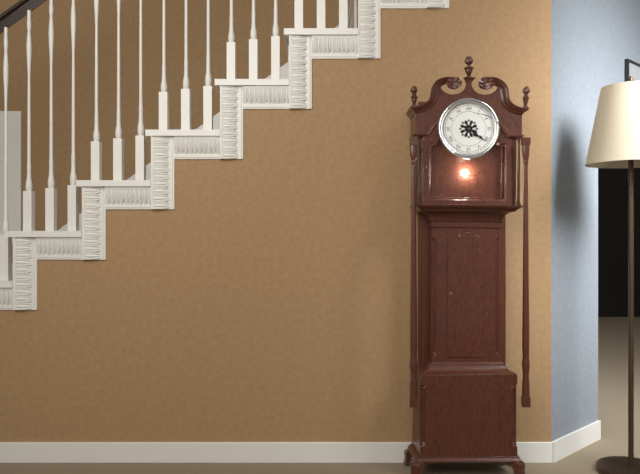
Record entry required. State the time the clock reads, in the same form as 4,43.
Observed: 4,21
